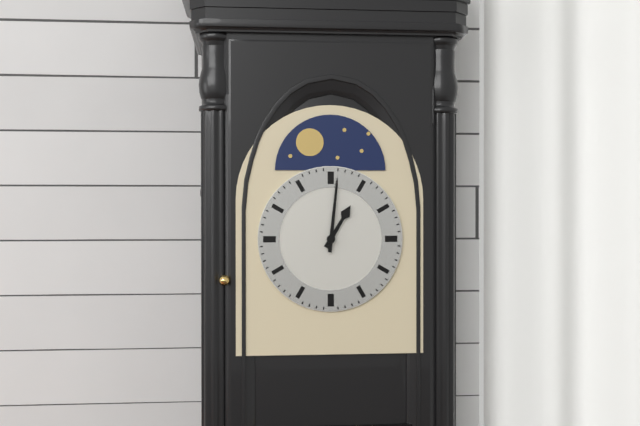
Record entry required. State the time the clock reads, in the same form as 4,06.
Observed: 1,01
